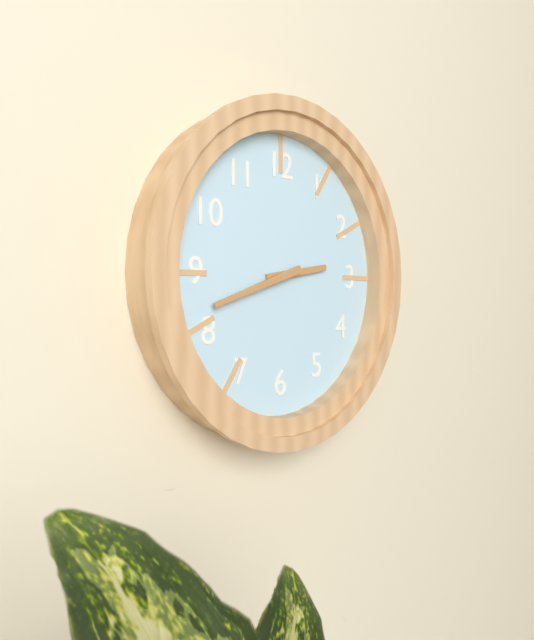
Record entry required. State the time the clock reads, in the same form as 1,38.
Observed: 2,42
